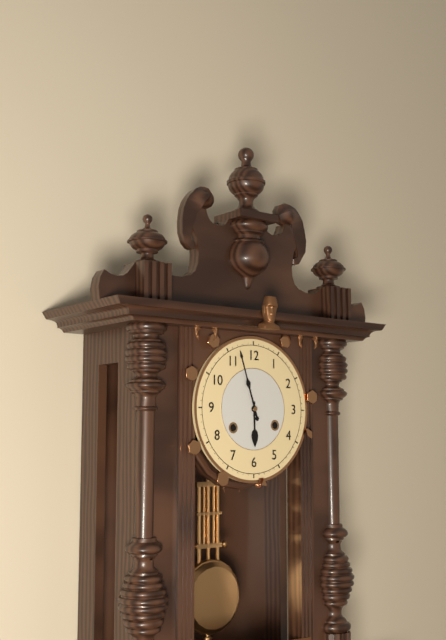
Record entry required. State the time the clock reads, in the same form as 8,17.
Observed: 5,57
